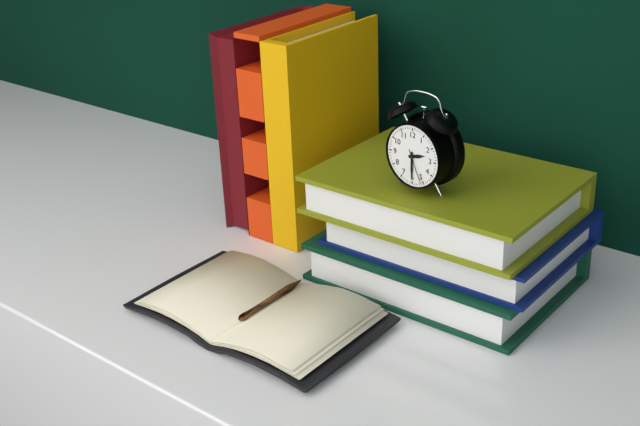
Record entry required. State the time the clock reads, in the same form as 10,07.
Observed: 2,30
